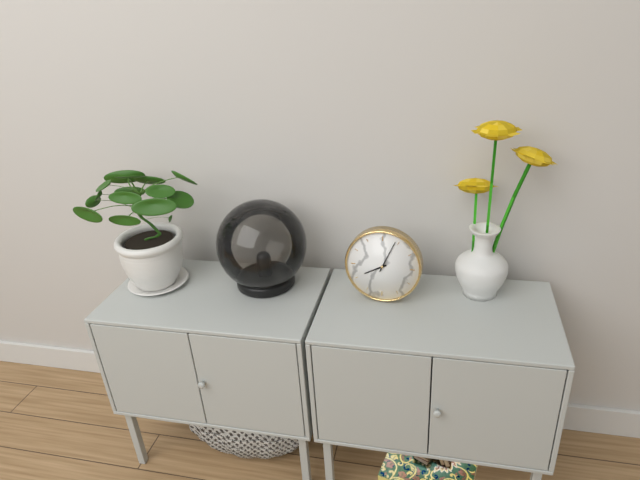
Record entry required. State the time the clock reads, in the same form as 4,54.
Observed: 8,04
